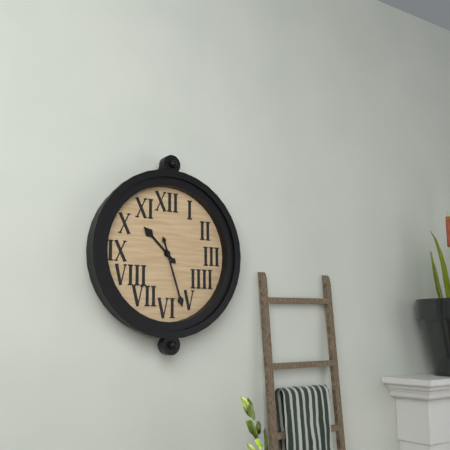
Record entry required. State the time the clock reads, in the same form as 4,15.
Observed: 10,27
